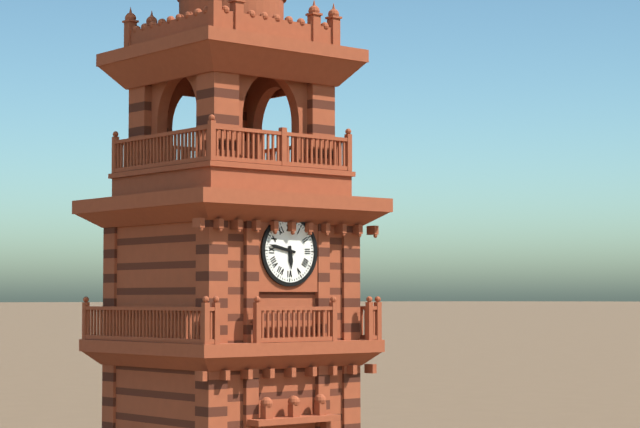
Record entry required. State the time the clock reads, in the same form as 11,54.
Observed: 5,47
